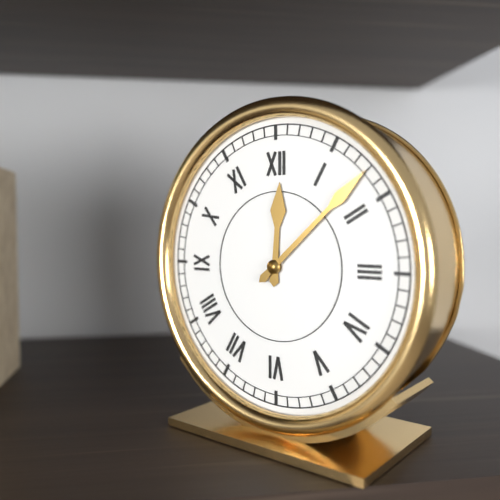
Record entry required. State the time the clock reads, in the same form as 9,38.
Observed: 12,08
